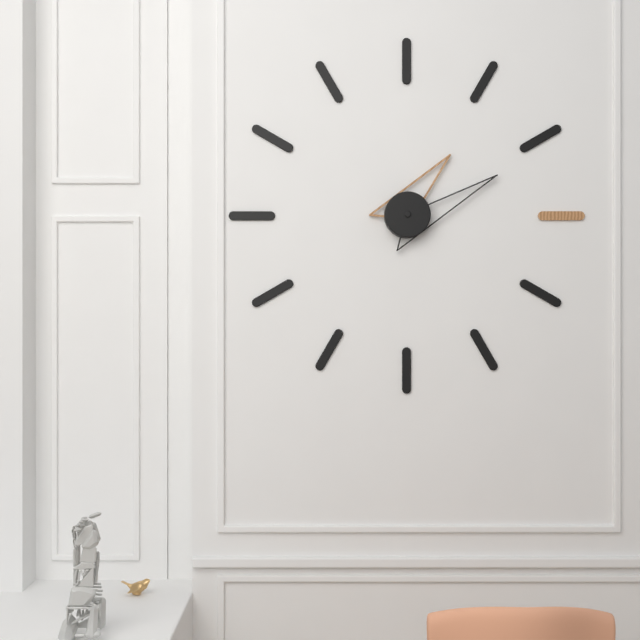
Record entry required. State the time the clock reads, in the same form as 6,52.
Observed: 1,11
